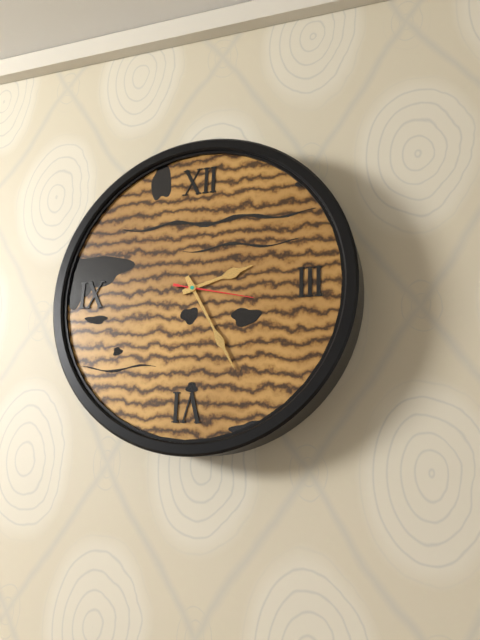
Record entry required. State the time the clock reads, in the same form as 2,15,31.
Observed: 2,25,17
